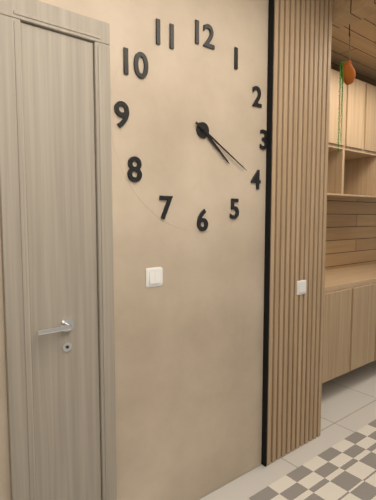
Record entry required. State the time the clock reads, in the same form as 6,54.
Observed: 4,20
